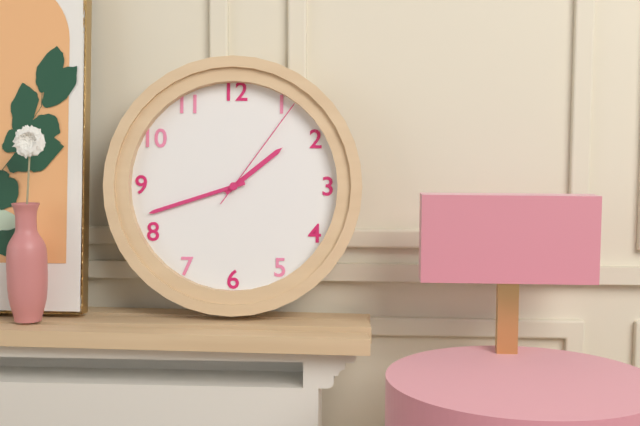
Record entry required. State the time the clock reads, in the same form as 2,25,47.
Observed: 1,42,06
